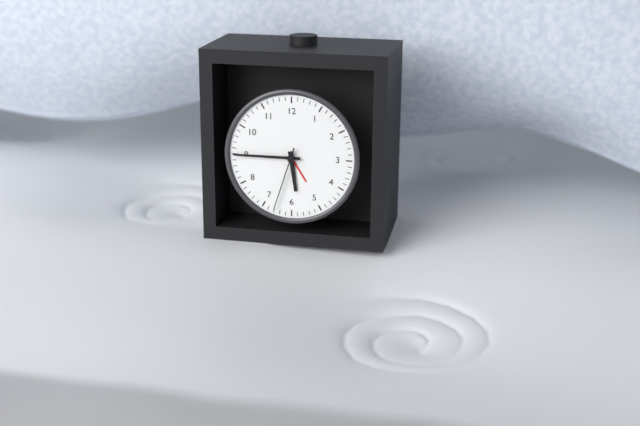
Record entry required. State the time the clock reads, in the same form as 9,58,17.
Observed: 5,45,33
